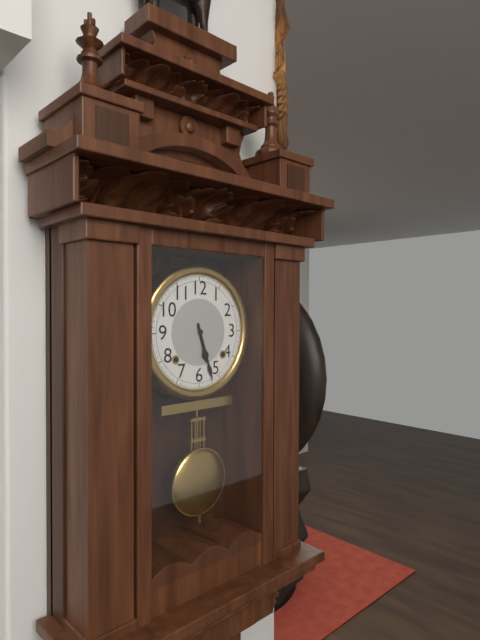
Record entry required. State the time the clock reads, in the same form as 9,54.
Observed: 5,27
